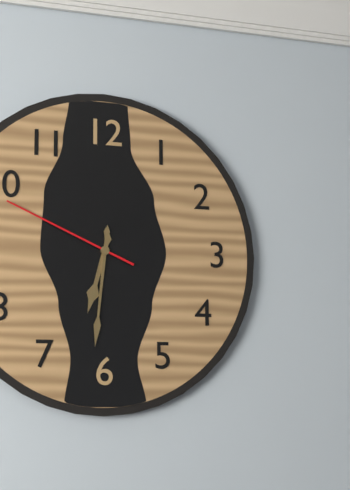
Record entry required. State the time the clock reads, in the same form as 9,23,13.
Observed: 6,31,49
